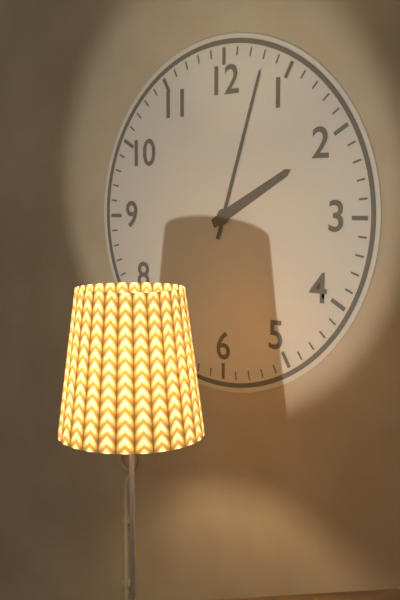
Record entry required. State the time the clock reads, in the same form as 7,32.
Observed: 2,03
